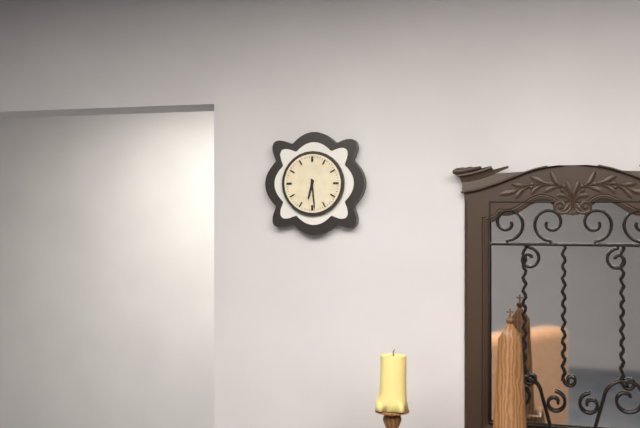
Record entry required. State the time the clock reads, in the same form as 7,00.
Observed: 6,29
